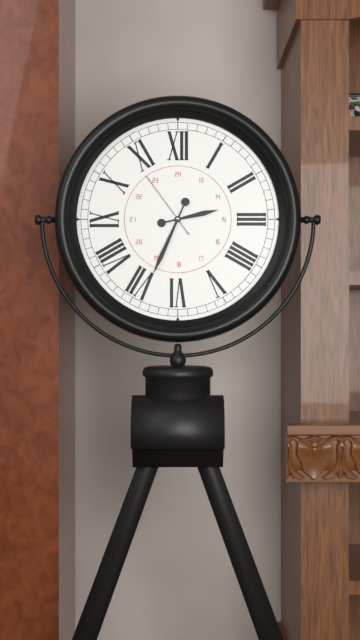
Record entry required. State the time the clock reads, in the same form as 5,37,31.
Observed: 2,34,54
